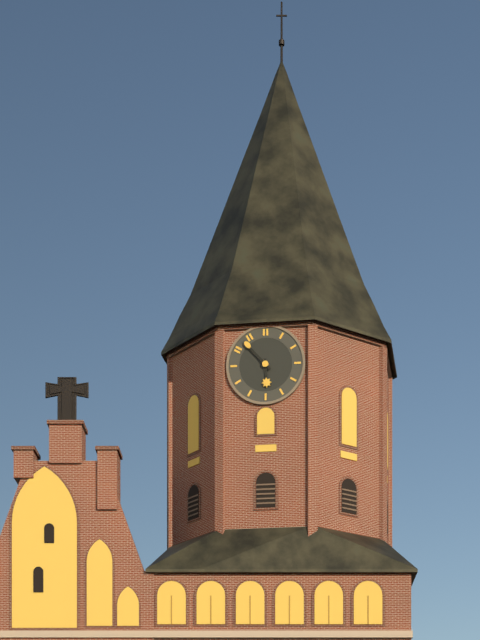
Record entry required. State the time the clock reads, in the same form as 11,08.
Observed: 5,53
